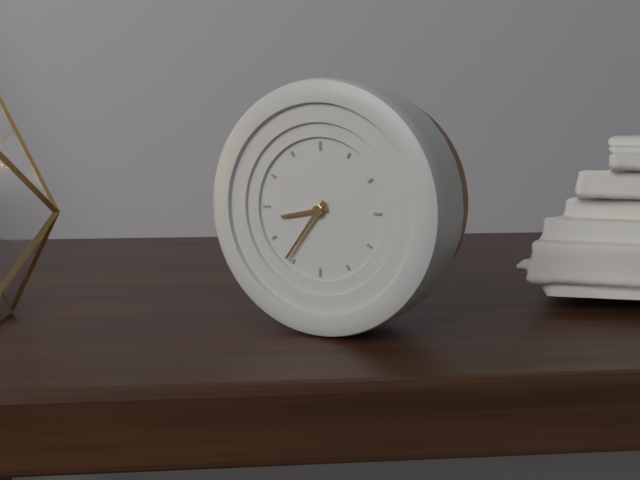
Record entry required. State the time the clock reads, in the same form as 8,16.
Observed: 8,36
